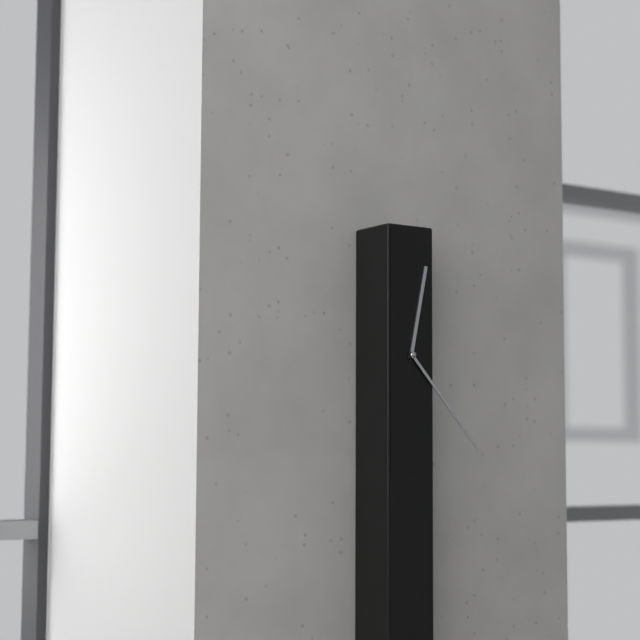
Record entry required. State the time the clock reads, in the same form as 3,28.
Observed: 12,23
